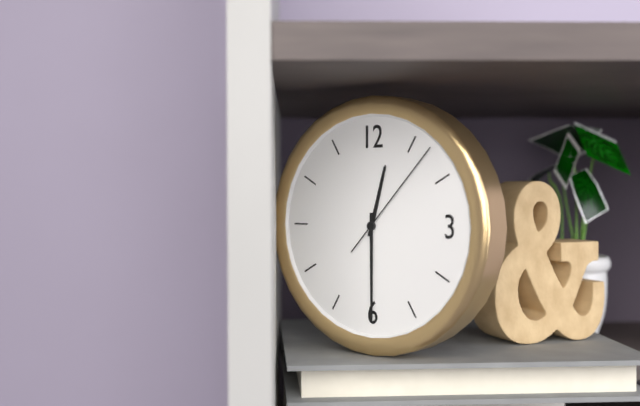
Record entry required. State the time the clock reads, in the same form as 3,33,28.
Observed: 12,30,07
